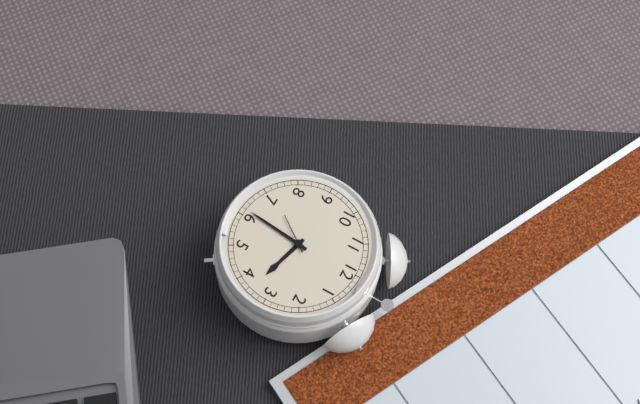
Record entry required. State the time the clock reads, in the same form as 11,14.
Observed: 3,31
